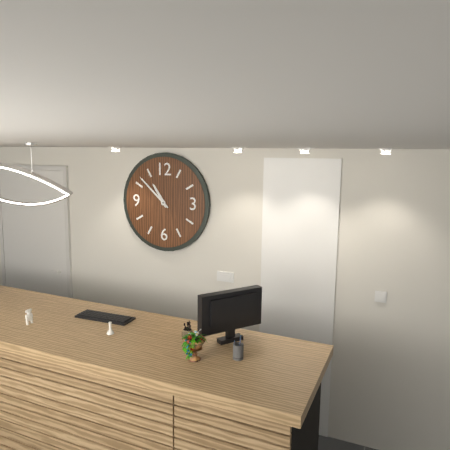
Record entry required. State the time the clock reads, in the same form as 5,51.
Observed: 10,52
